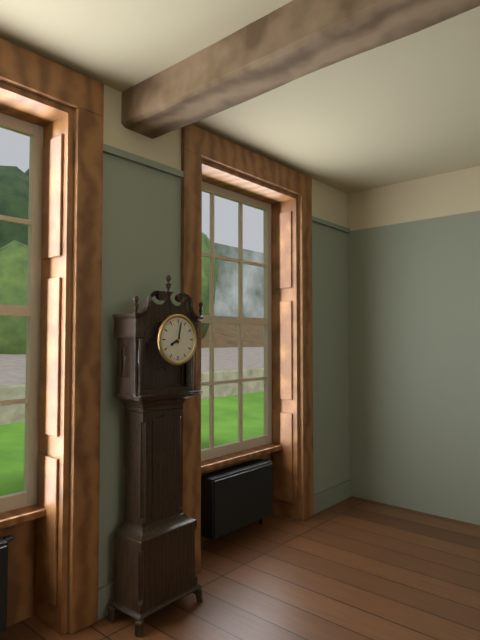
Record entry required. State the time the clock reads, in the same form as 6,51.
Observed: 8,02
